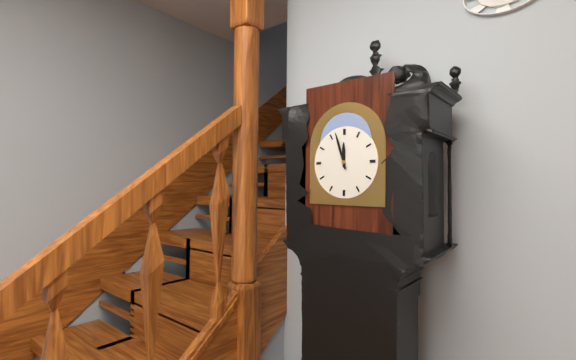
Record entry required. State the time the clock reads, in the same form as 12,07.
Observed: 11,57
